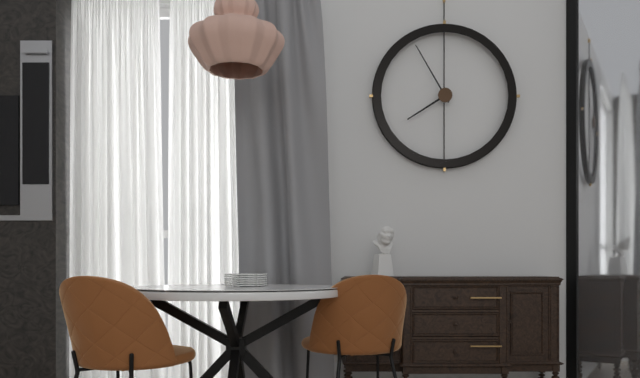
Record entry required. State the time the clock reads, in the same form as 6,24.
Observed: 7,55
